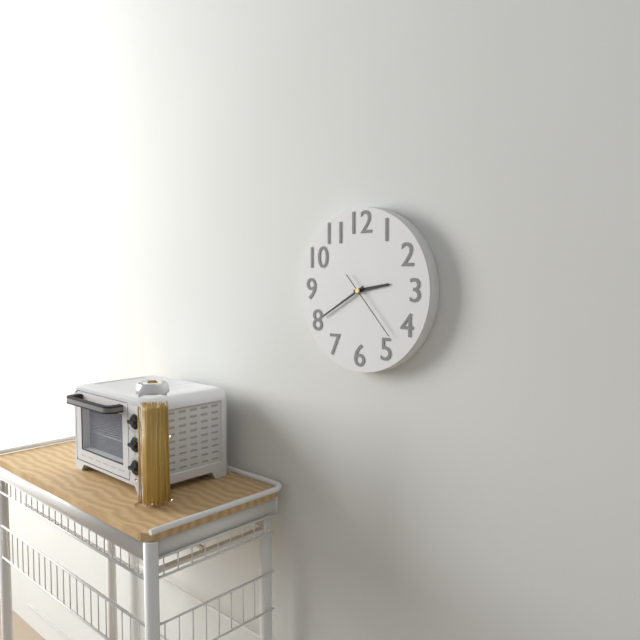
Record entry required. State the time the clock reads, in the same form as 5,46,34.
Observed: 2,40,23
